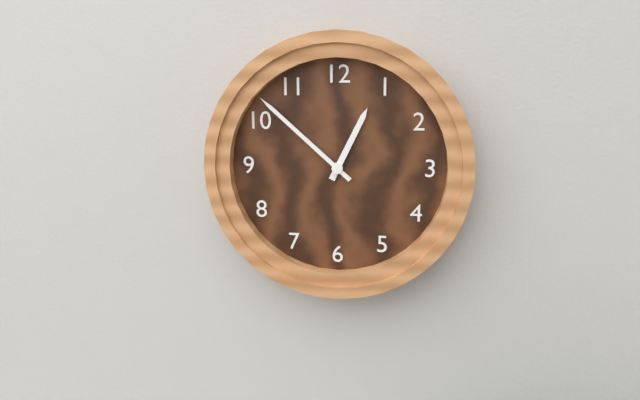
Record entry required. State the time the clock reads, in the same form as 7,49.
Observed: 12,52
